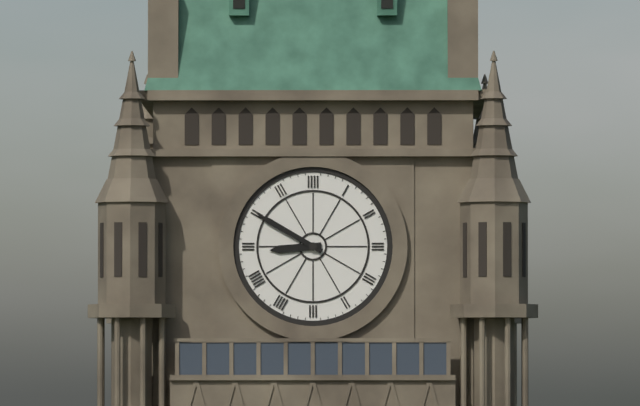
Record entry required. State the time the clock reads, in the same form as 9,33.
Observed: 8,50
